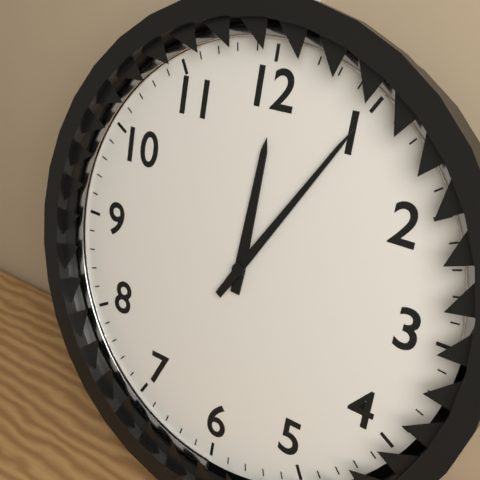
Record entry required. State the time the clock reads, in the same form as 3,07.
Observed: 12,05
